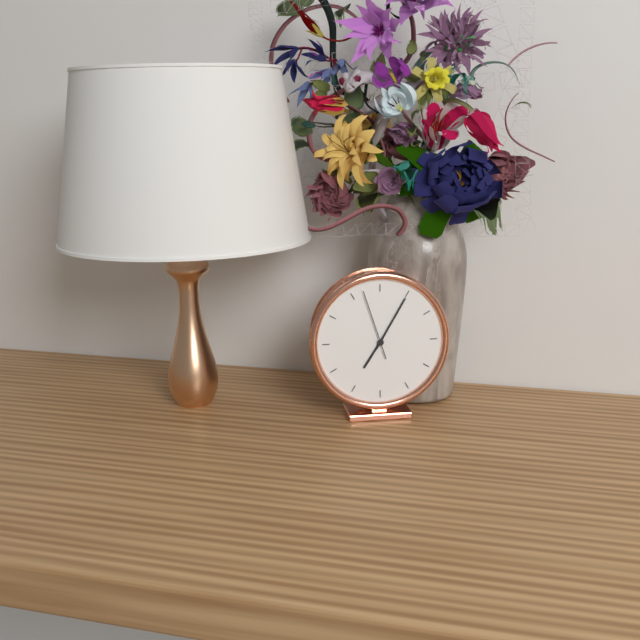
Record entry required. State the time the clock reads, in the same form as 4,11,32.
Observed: 7,05,57
